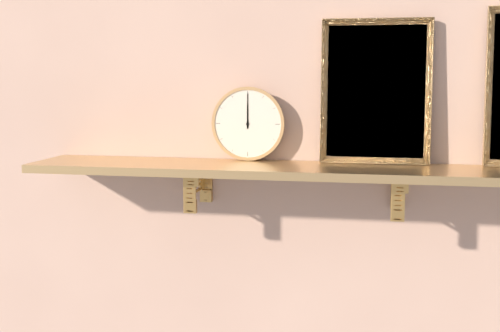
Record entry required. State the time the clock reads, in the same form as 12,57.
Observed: 12,00
